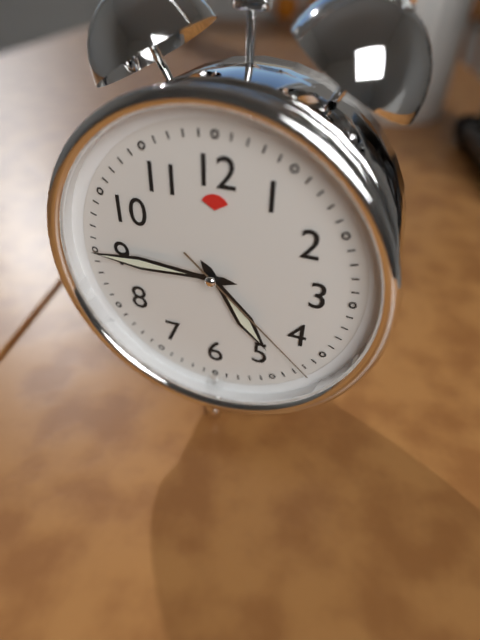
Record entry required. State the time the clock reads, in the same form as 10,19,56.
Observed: 4,45,22
